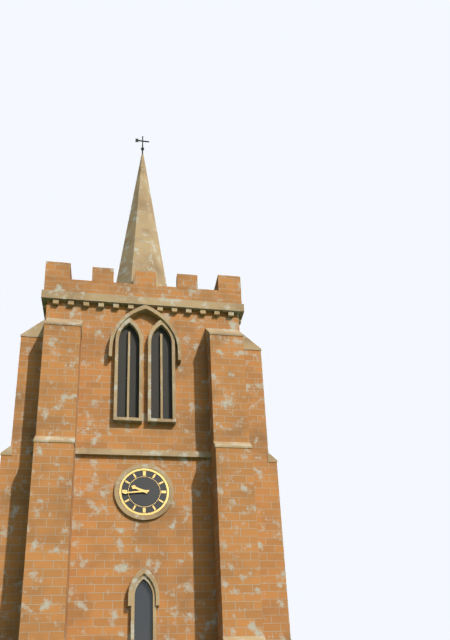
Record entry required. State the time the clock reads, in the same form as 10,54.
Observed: 9,44
